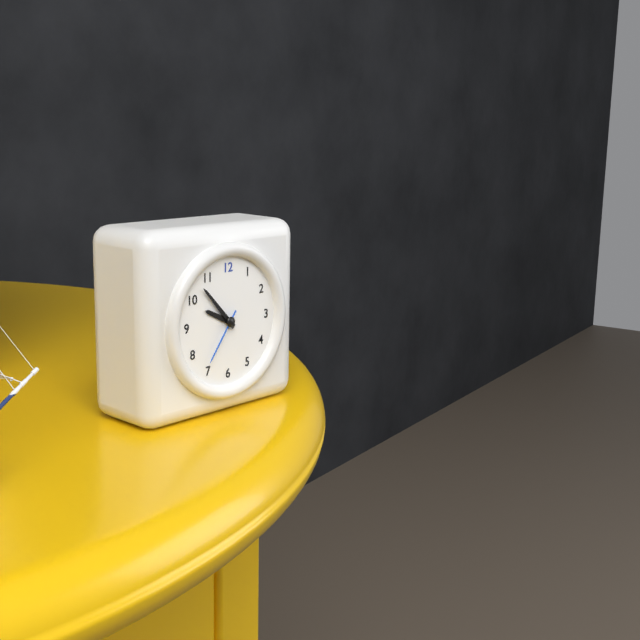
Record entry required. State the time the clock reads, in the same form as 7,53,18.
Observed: 9,53,36
